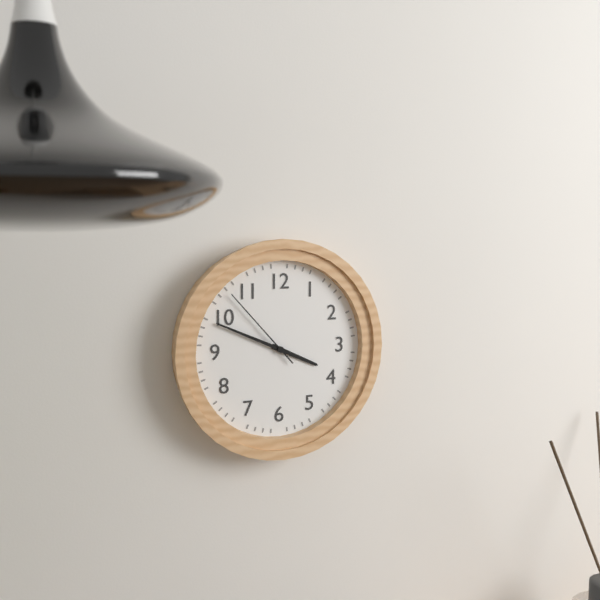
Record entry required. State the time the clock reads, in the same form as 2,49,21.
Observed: 3,49,53
